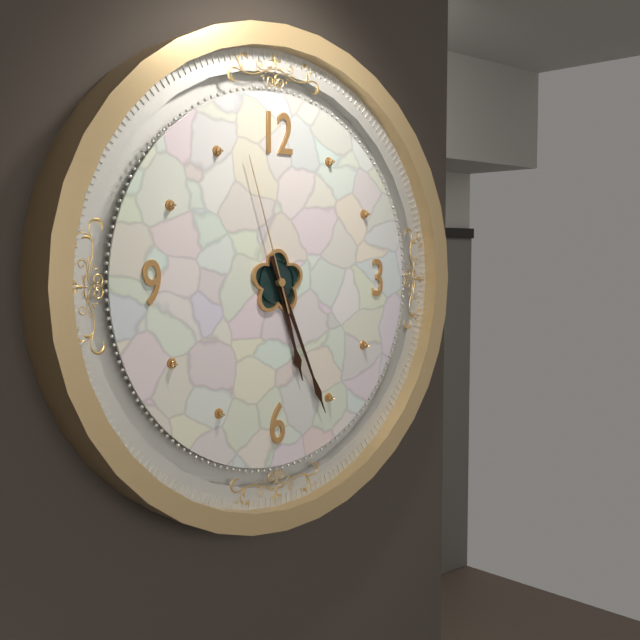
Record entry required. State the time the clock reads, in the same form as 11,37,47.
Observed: 5,26,57
